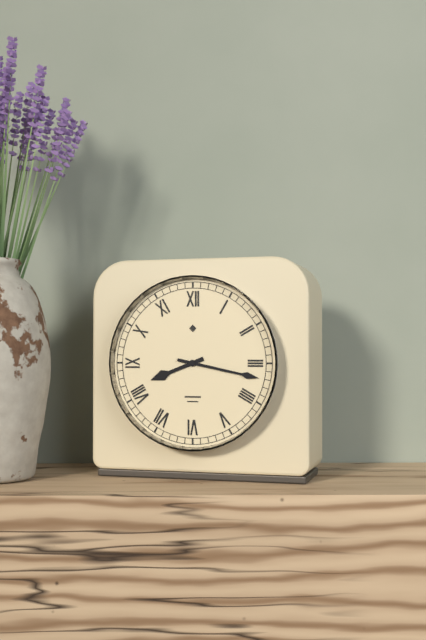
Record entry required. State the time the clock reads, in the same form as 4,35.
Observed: 8,17
